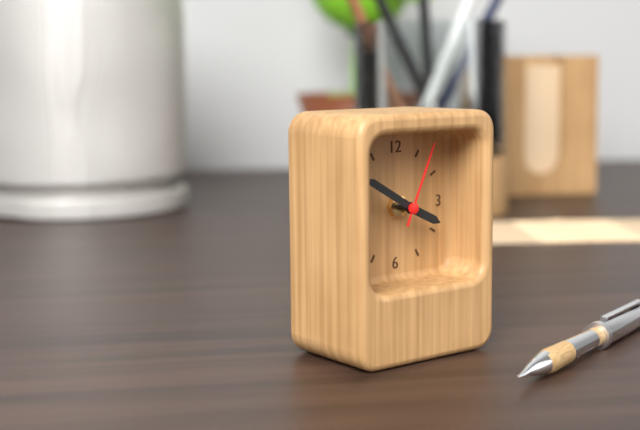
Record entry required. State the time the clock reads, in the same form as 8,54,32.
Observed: 3,50,04
